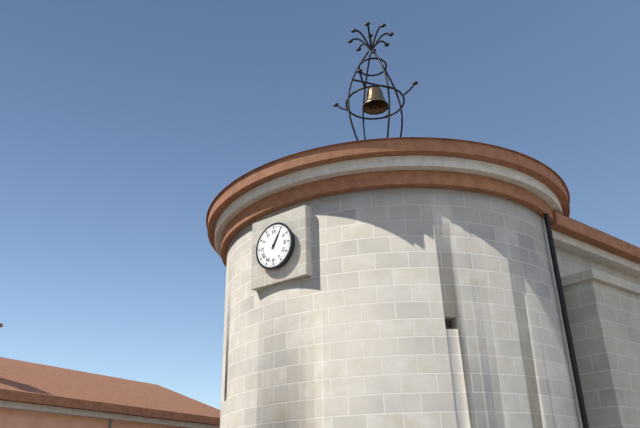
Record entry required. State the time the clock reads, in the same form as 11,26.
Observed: 1,05
